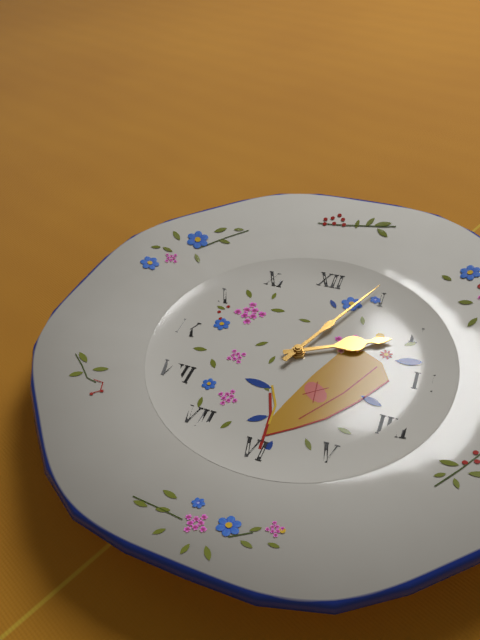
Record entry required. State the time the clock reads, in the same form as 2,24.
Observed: 2,04
